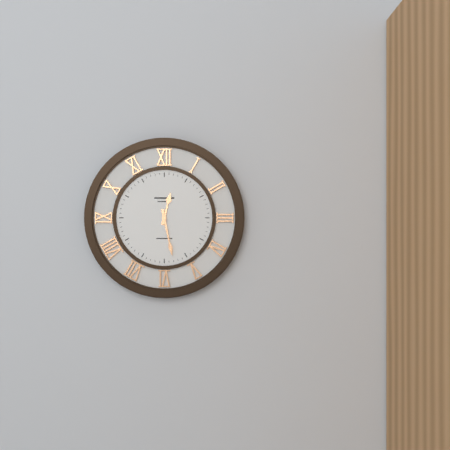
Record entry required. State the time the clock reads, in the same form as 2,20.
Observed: 12,28
